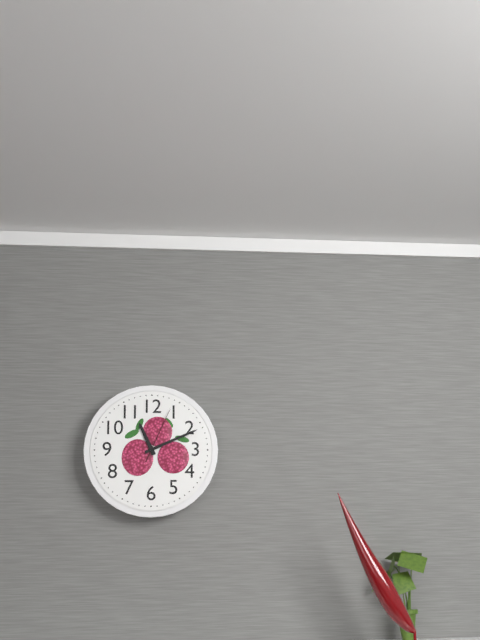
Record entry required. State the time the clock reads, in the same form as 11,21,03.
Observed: 11,11,04
